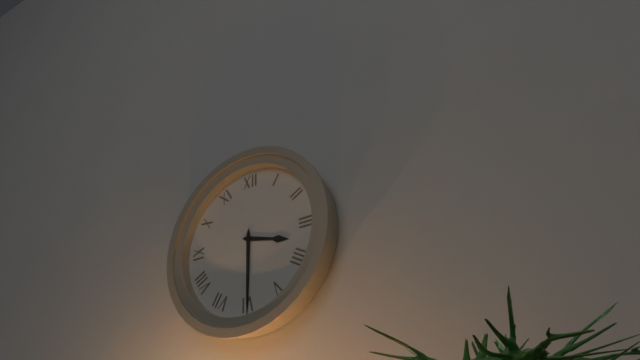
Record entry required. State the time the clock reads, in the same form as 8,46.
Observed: 3,30
